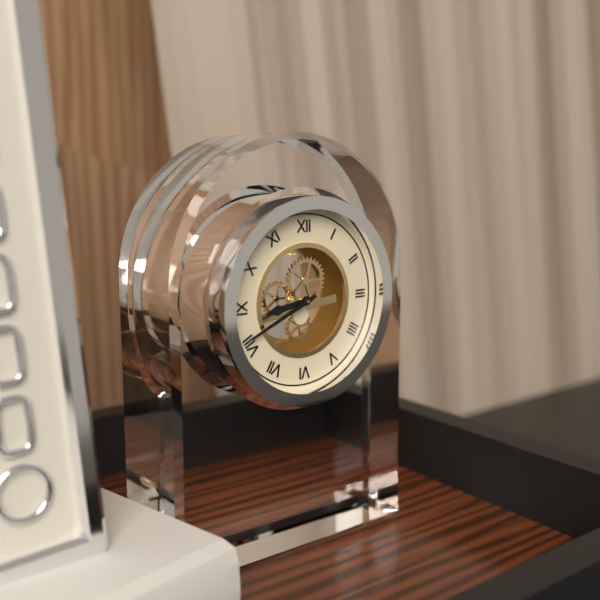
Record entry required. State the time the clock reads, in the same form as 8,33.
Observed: 8,41
